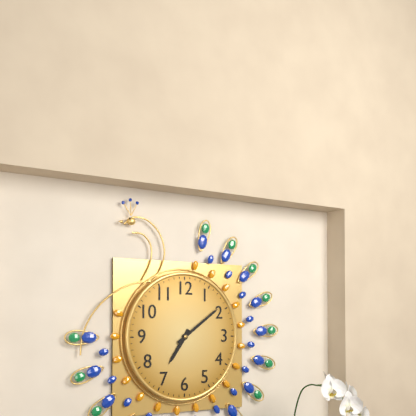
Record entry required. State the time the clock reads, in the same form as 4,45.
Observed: 7,09
